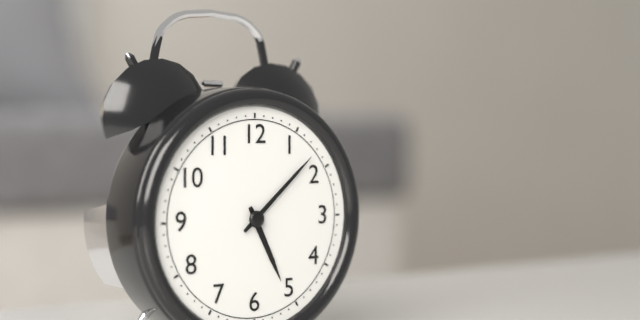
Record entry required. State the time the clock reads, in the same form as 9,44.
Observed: 5,08
